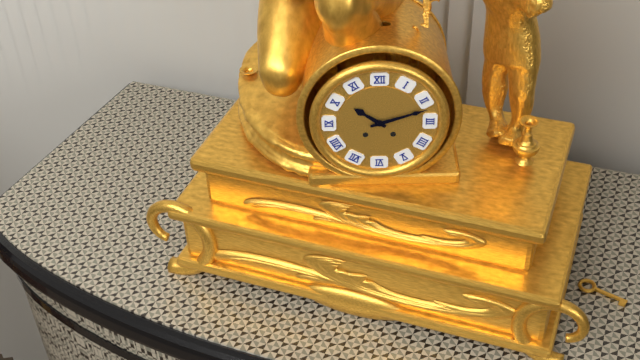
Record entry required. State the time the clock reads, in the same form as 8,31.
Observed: 10,12
